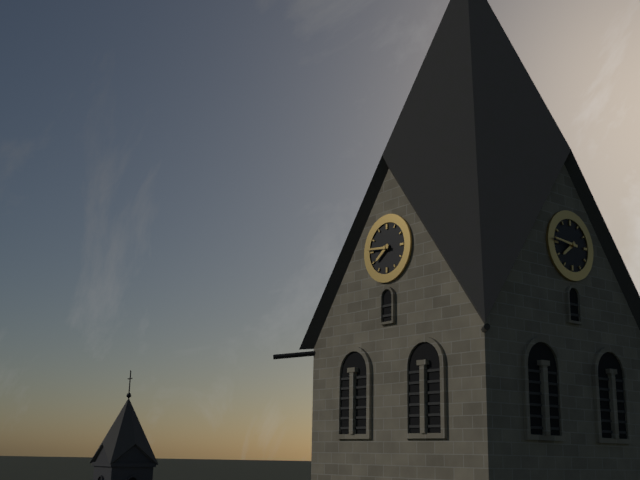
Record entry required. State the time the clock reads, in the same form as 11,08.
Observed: 7,46
